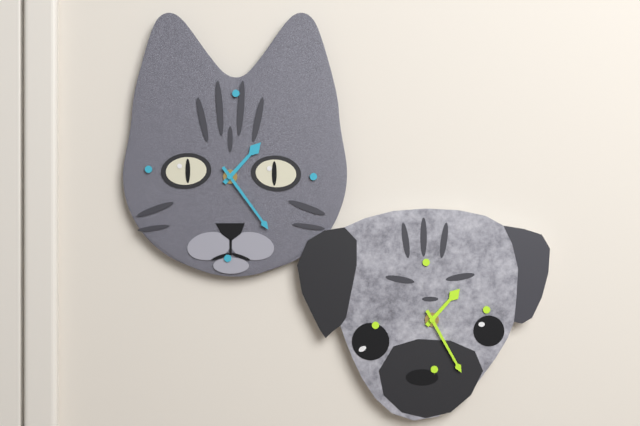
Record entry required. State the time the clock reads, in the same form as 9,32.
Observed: 1,24
